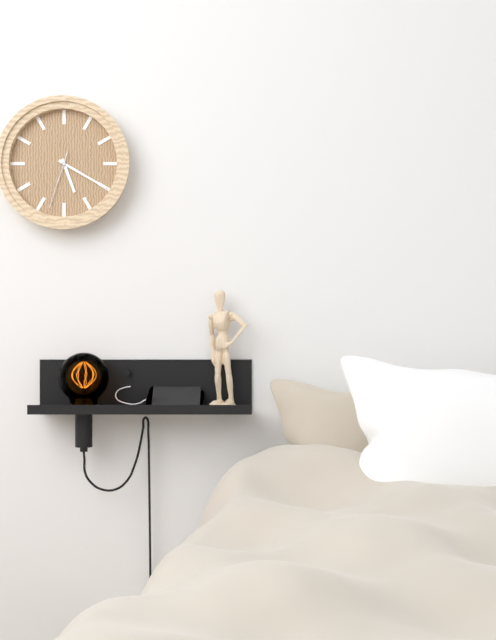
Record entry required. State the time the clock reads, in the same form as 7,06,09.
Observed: 5,20,33
